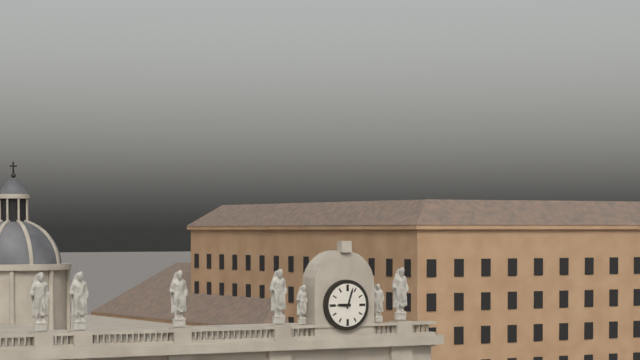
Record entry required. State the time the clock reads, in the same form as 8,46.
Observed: 9,03
